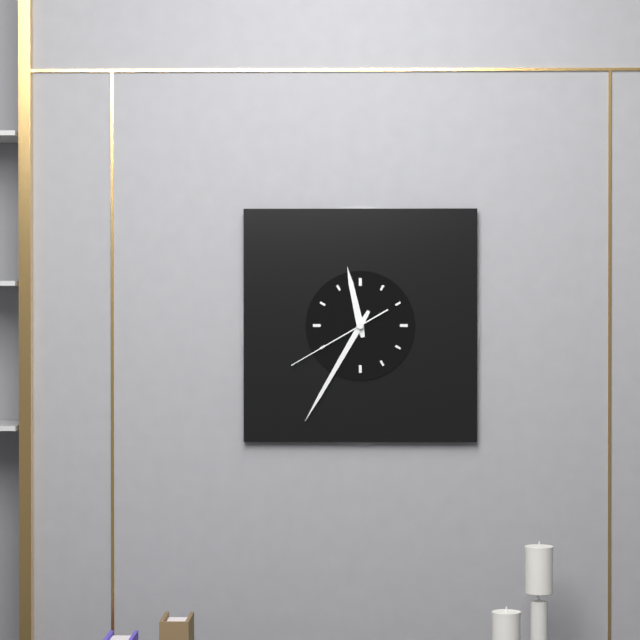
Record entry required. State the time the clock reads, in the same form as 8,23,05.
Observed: 11,35,40
